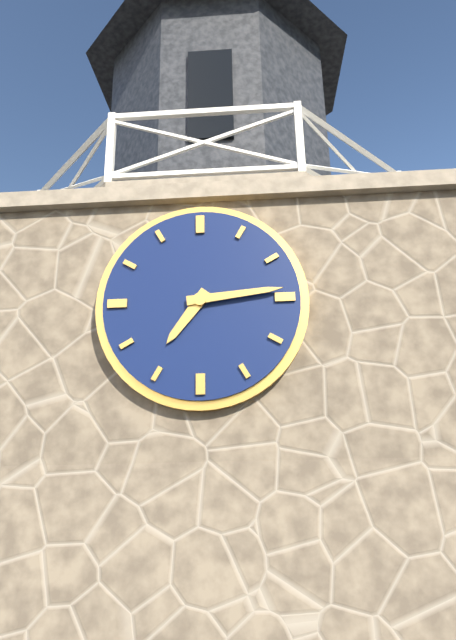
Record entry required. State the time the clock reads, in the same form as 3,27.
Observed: 7,14
